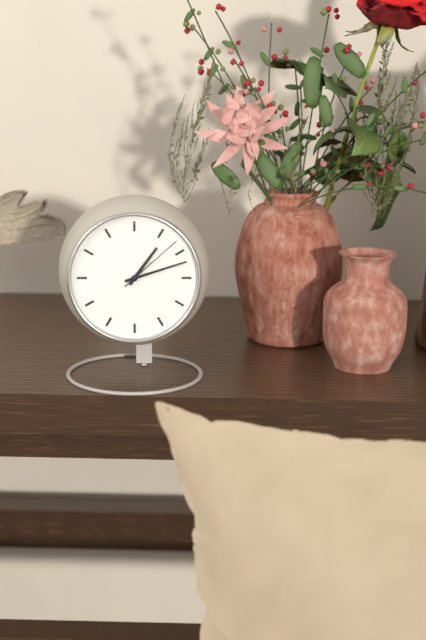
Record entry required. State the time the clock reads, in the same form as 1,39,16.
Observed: 1,12,08
